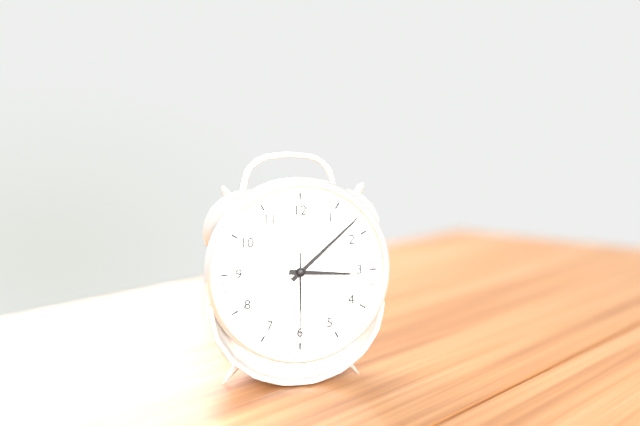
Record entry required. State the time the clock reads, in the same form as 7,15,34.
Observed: 3,08,30
